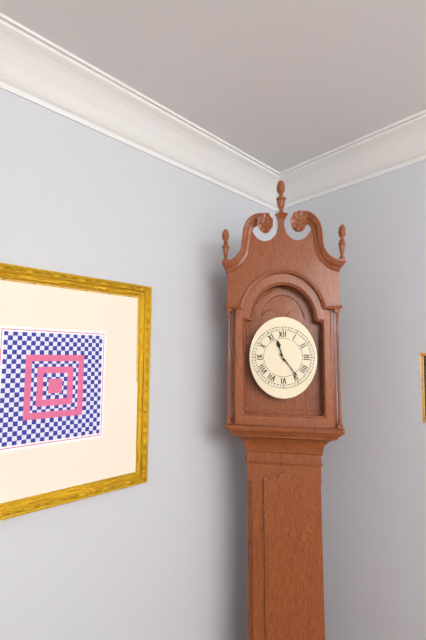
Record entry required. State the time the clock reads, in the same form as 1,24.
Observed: 11,24
